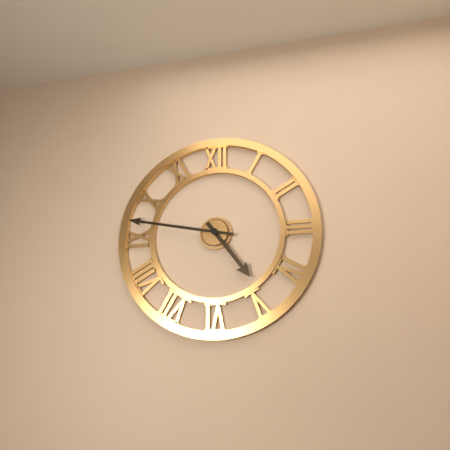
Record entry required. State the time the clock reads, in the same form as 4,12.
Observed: 4,47
